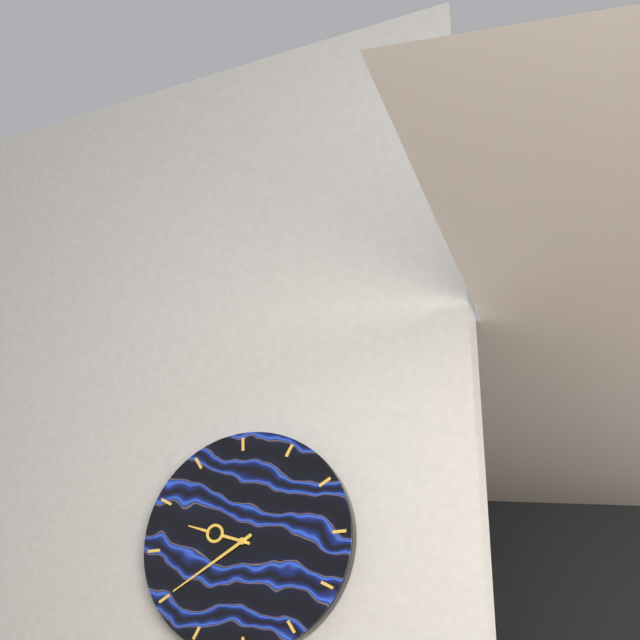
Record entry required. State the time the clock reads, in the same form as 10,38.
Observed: 9,40
